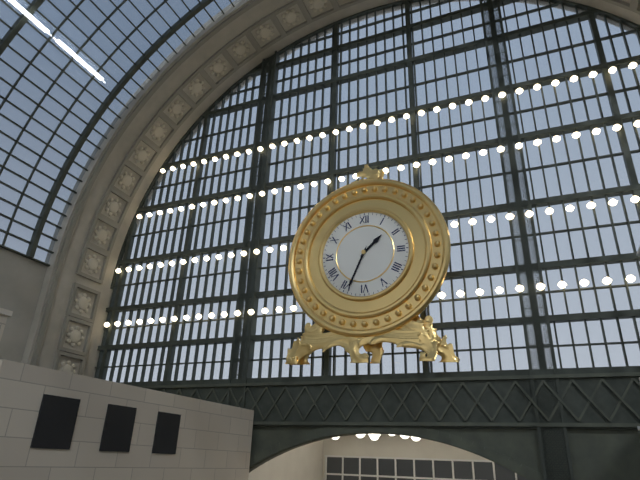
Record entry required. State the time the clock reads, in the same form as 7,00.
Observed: 1,34
